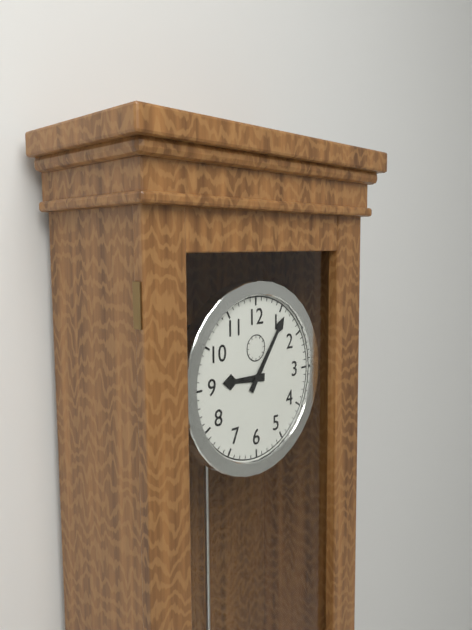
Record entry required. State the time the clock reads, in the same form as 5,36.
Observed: 9,06
